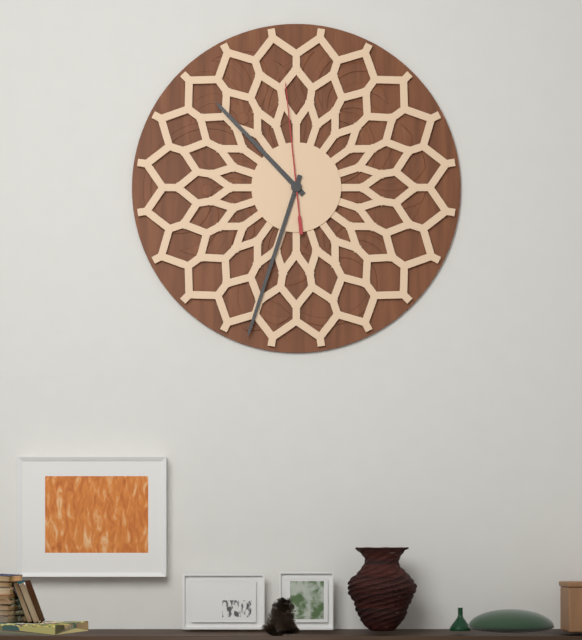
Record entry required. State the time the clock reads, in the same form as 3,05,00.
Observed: 10,33,59
